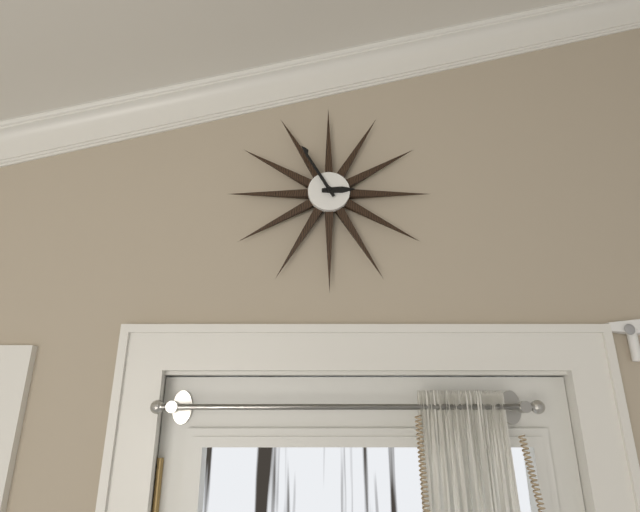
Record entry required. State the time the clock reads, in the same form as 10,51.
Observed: 2,55
